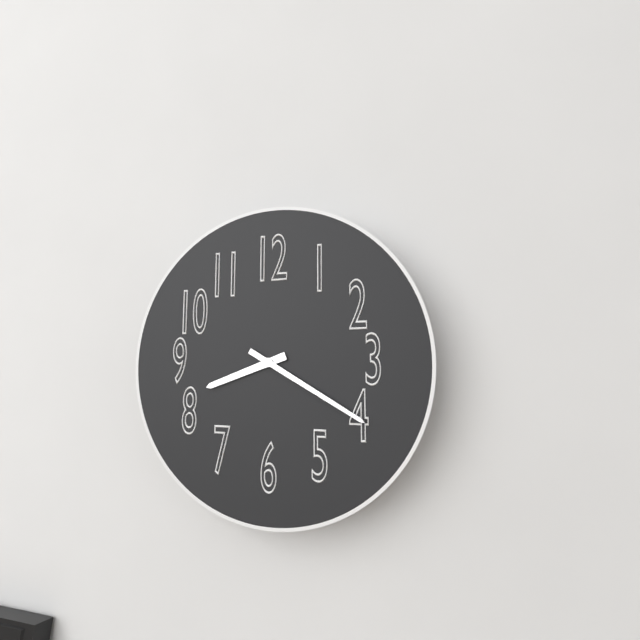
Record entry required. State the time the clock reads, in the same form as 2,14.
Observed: 8,20
